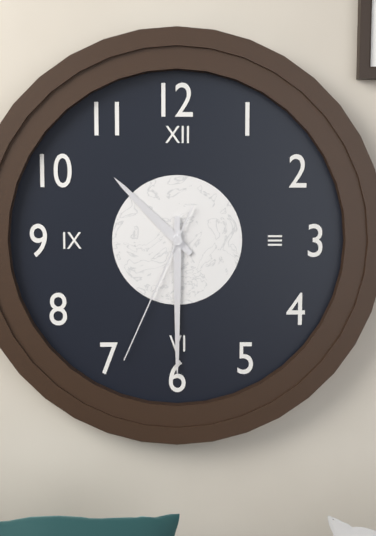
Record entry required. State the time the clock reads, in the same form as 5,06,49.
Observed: 10,30,34
